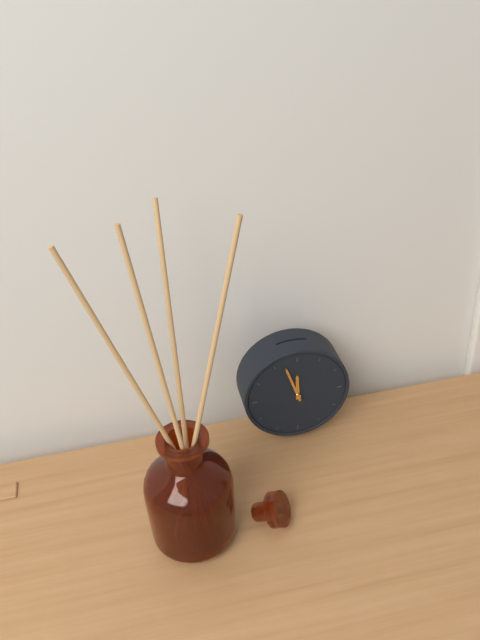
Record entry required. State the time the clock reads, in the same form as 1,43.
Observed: 11,57
